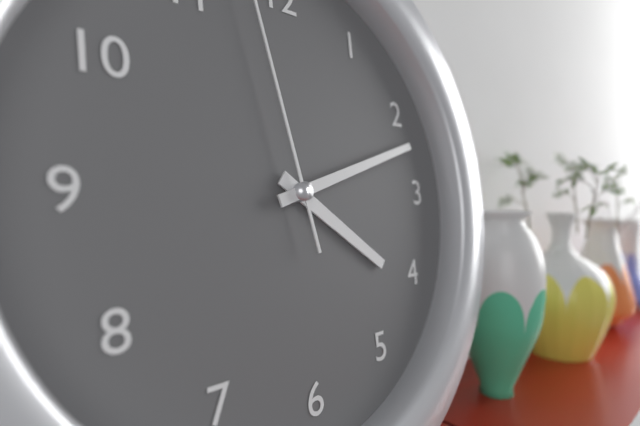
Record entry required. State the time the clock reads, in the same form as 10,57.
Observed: 4,12
